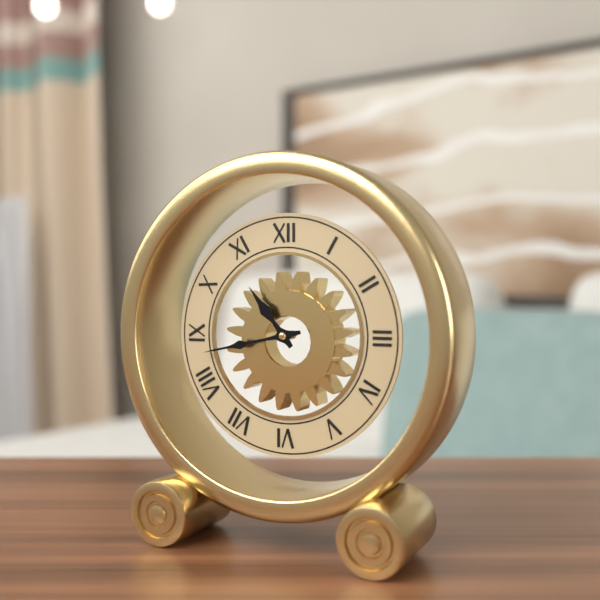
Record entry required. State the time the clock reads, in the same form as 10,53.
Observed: 10,43
